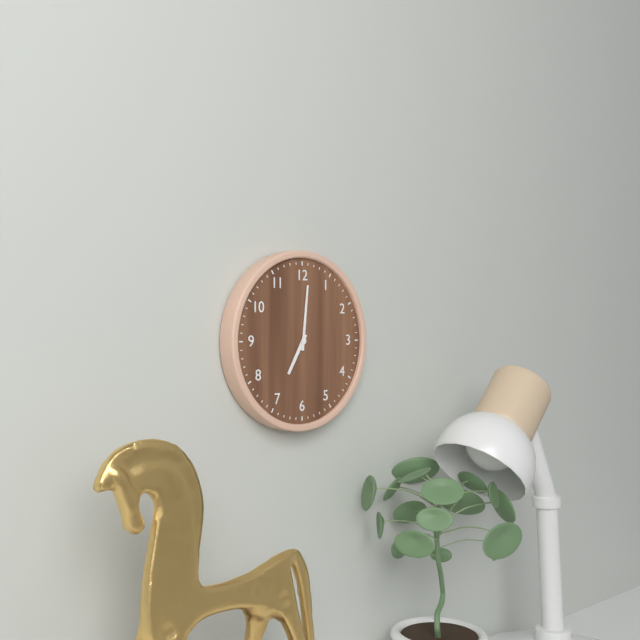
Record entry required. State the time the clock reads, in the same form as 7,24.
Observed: 7,01
